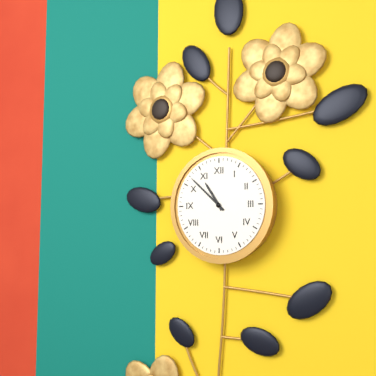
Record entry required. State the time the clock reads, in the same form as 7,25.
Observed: 10,52
